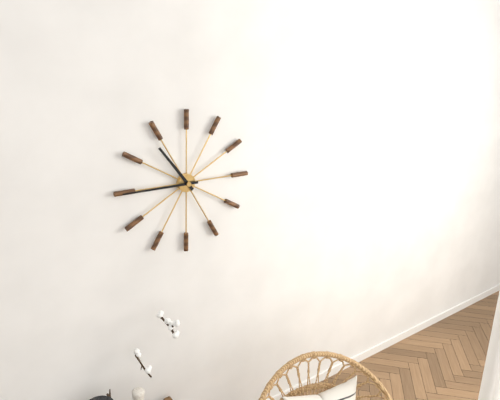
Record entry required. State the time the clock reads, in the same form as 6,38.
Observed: 10,45
